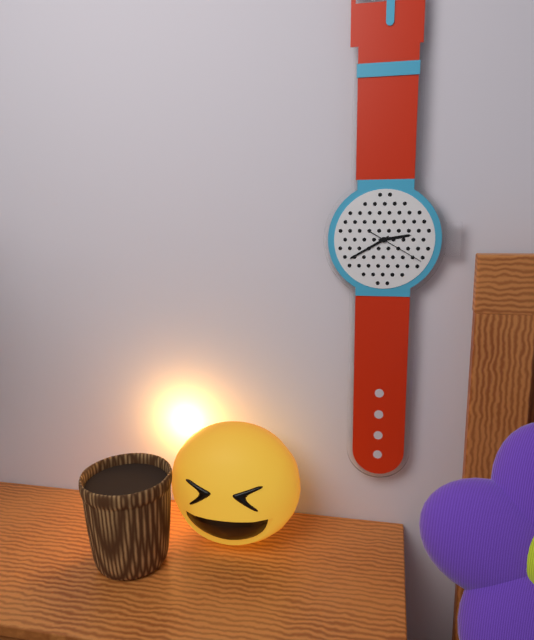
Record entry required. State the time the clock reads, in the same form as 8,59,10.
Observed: 2,40,20
